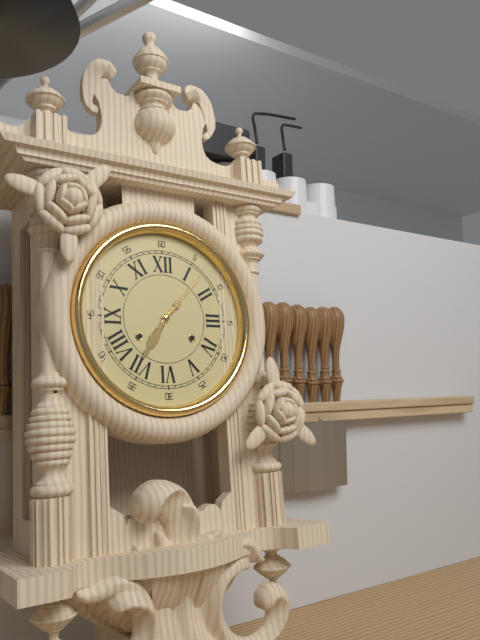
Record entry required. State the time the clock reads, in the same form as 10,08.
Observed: 7,07
